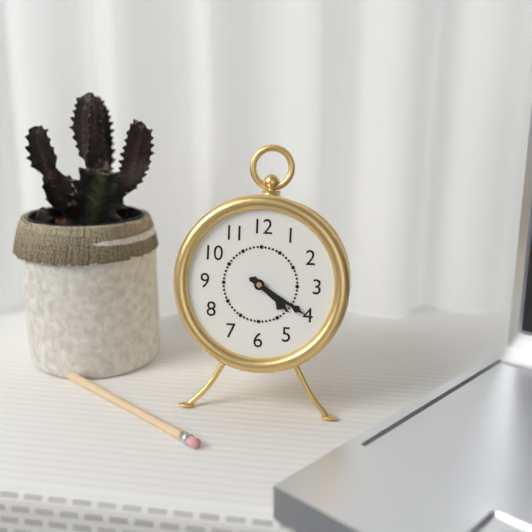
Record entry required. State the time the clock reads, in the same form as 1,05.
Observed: 4,20
